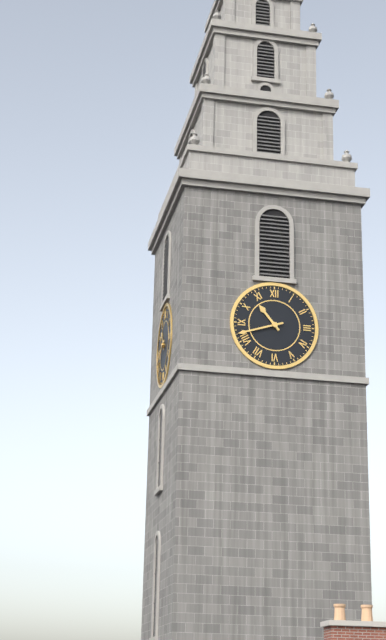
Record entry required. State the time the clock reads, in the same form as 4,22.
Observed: 10,42
